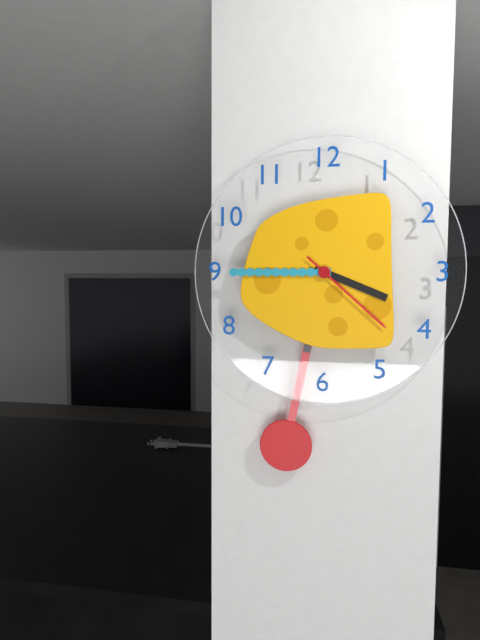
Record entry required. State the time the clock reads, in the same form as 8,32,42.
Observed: 3,45,22
